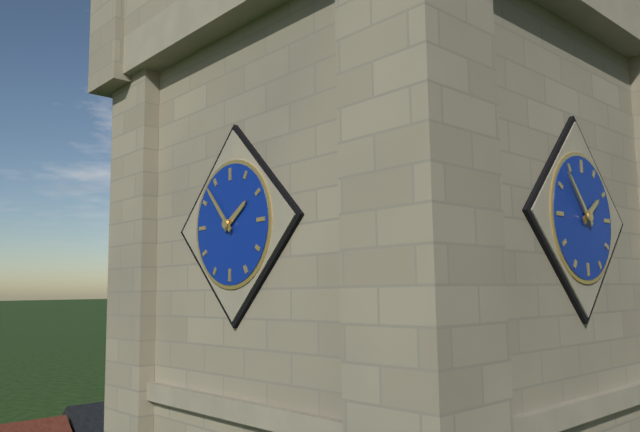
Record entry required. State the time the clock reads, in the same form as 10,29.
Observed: 1,53
